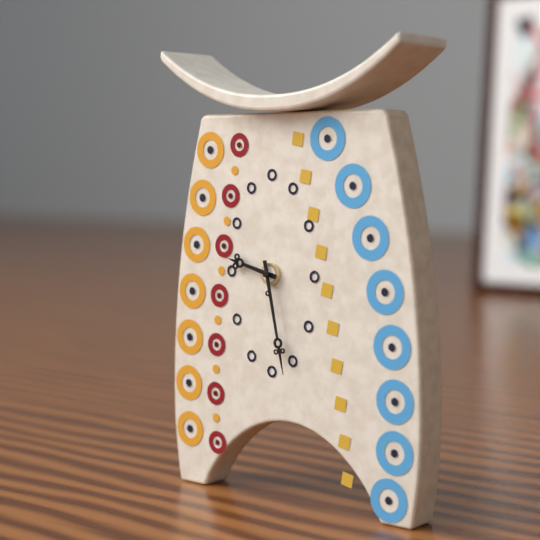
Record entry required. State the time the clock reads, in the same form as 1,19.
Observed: 9,28
